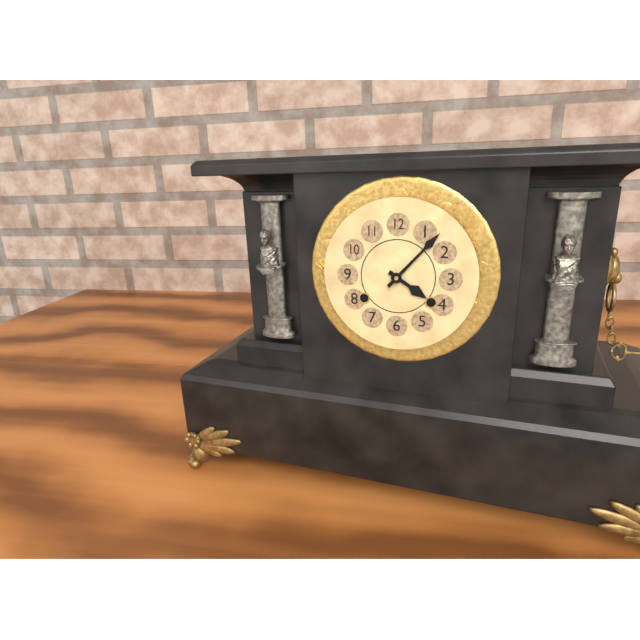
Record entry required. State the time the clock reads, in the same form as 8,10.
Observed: 4,07
